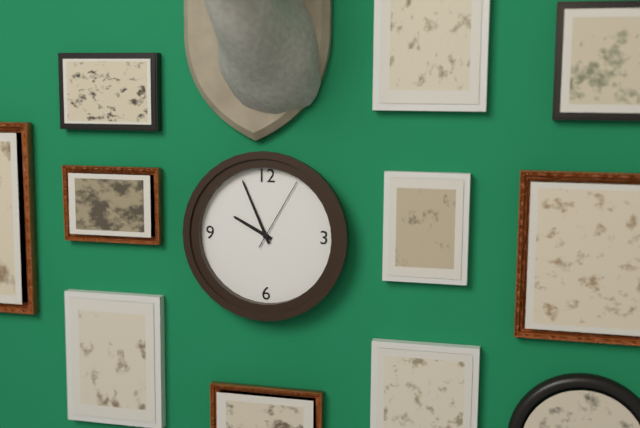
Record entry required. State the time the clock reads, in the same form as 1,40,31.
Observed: 9,56,05
